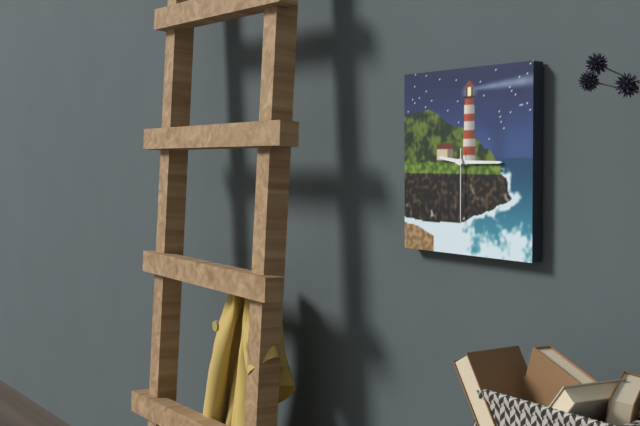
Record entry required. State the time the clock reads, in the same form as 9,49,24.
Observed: 9,15,30
